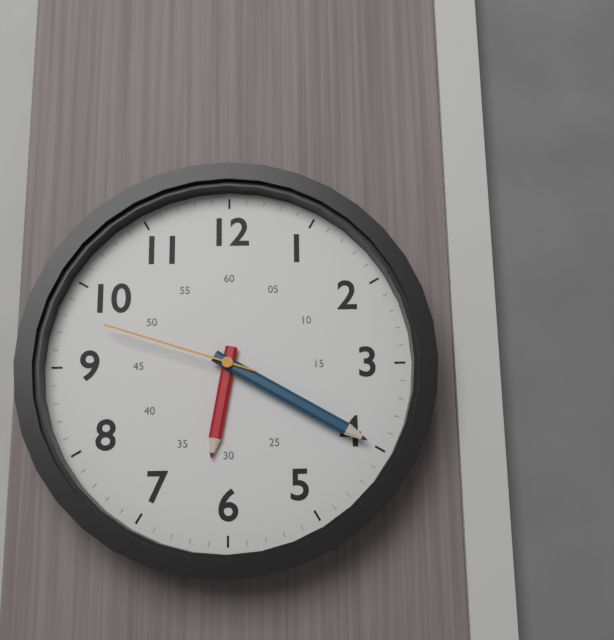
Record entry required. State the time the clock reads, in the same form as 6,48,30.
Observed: 6,20,48
